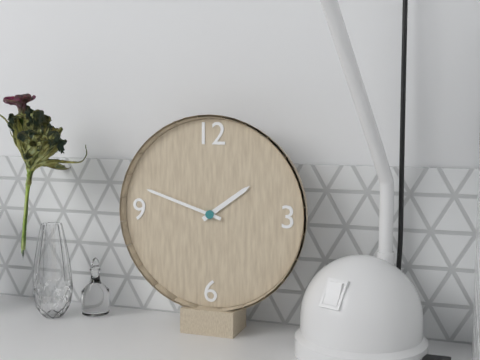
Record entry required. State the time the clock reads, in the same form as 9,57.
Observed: 1,48
